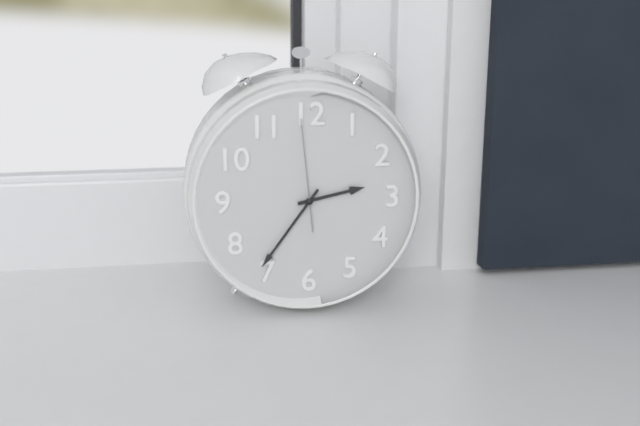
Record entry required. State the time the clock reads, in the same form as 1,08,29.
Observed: 2,36,59
